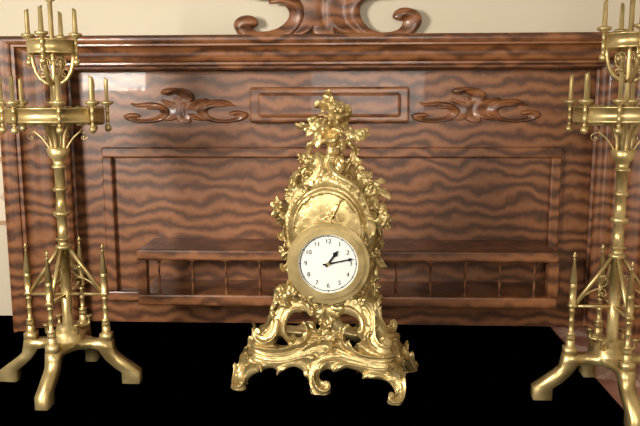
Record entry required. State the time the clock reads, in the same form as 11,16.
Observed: 1,13
